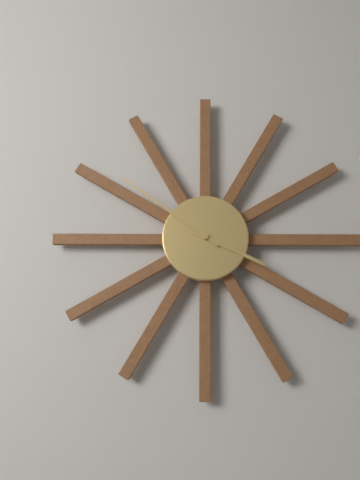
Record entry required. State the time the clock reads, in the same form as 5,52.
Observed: 3,51
